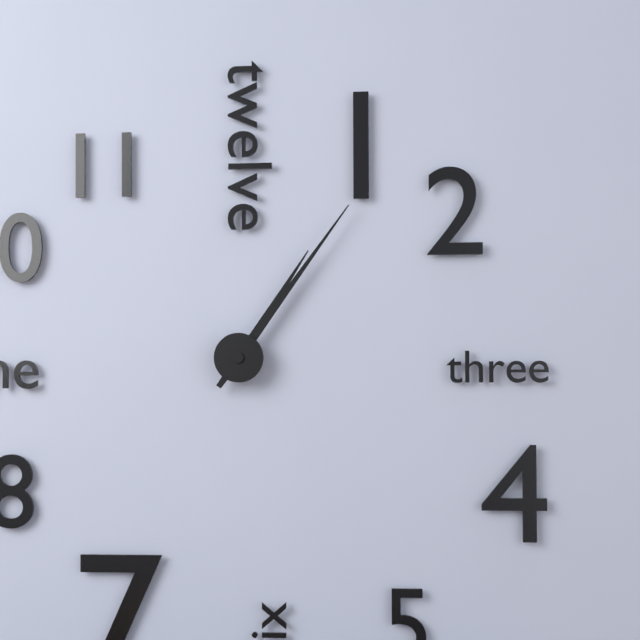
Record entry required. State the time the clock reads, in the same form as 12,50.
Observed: 1,06
